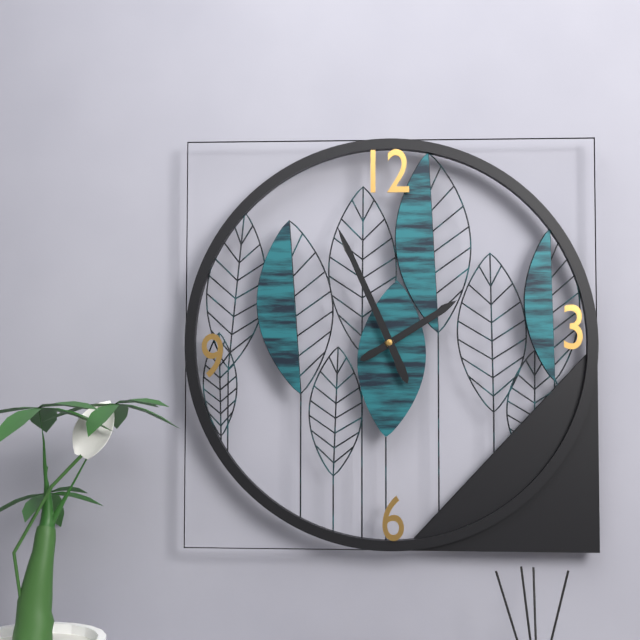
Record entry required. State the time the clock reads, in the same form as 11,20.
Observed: 1,56
